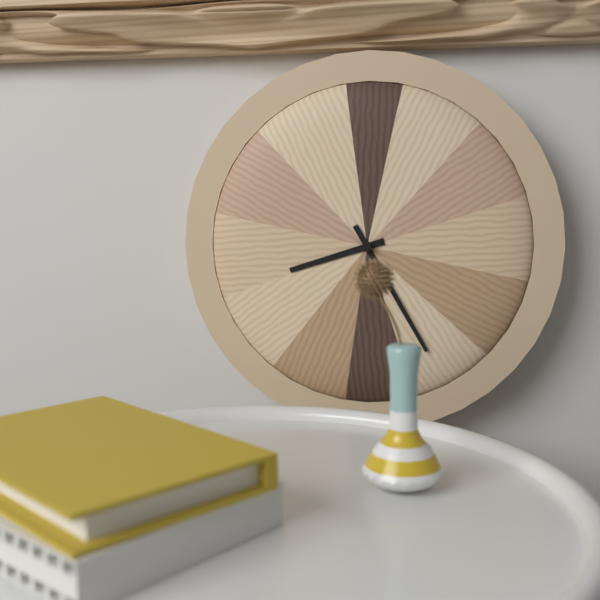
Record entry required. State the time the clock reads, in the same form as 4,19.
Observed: 8,25
